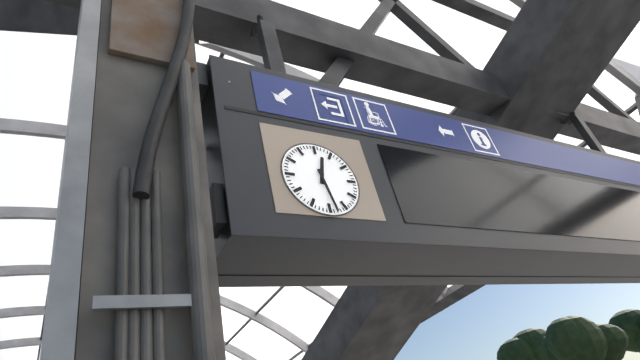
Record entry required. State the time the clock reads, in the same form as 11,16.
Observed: 12,28
